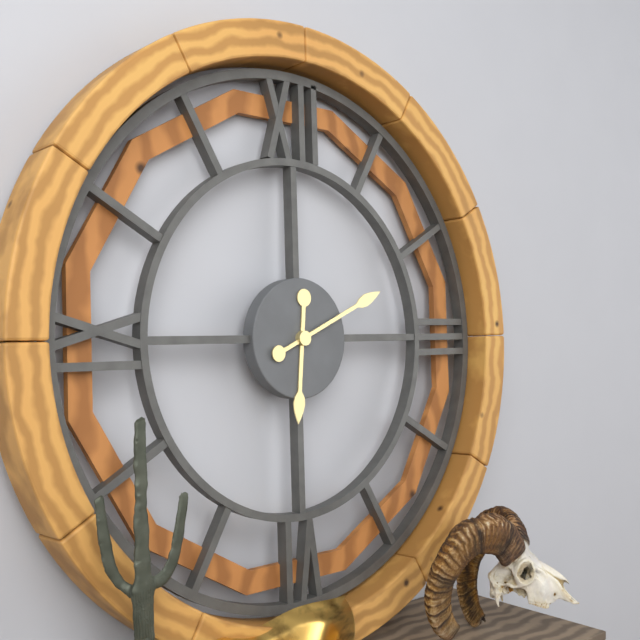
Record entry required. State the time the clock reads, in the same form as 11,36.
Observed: 6,11
